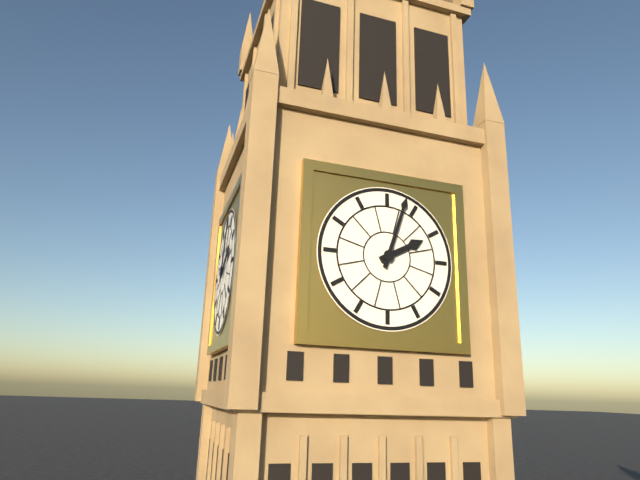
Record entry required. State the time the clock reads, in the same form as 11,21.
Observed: 2,03
